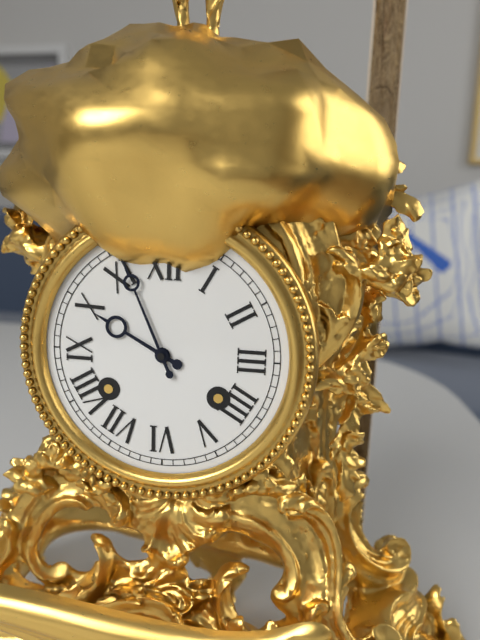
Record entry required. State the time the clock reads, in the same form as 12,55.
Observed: 9,56
